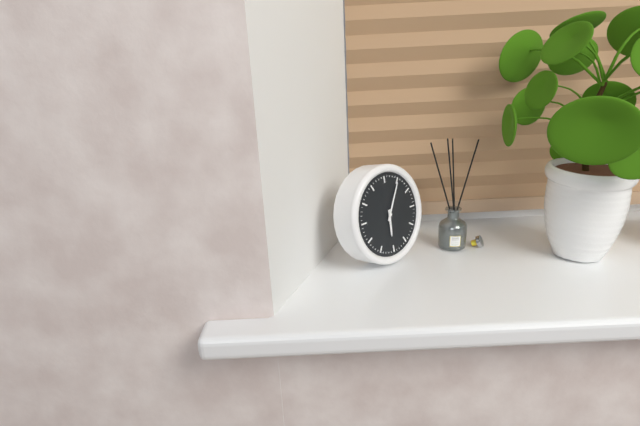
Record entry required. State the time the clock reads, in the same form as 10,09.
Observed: 6,05
